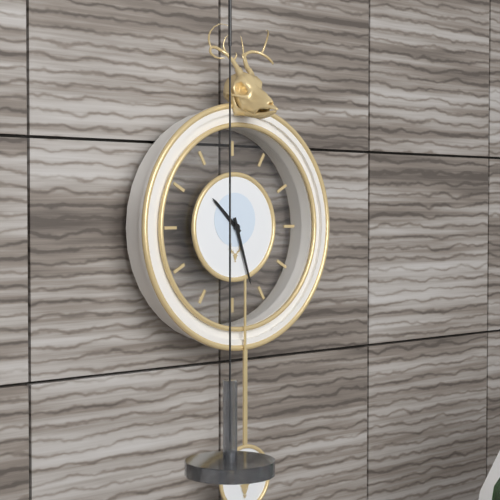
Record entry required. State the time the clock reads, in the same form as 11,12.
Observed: 10,27
